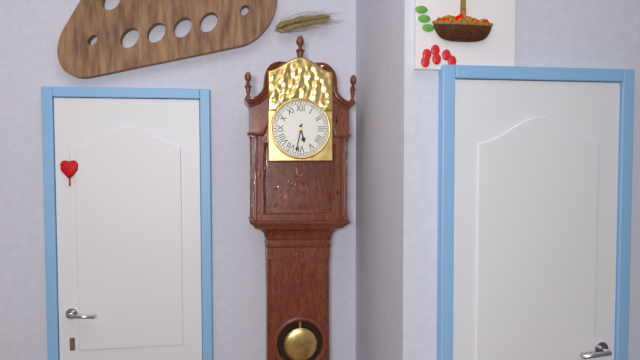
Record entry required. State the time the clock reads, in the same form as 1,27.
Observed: 5,32
